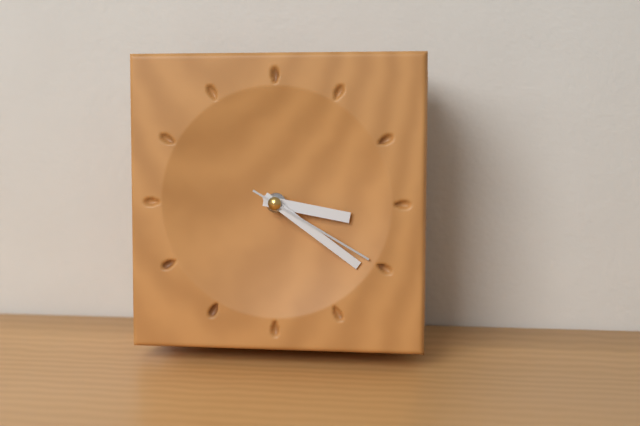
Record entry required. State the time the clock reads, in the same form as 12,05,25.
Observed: 3,21,20
